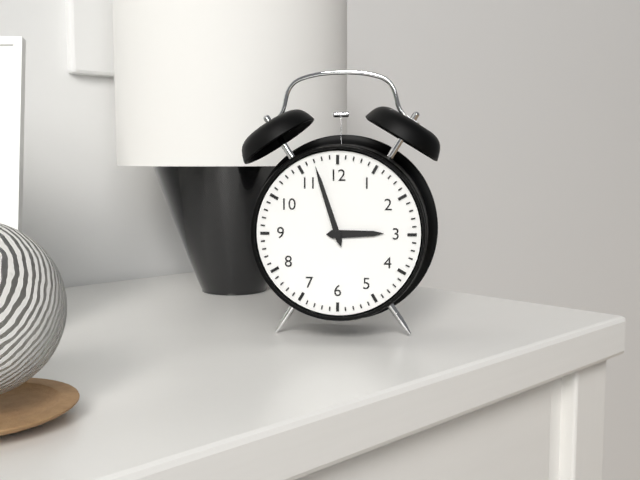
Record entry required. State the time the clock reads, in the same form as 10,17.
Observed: 2,57
